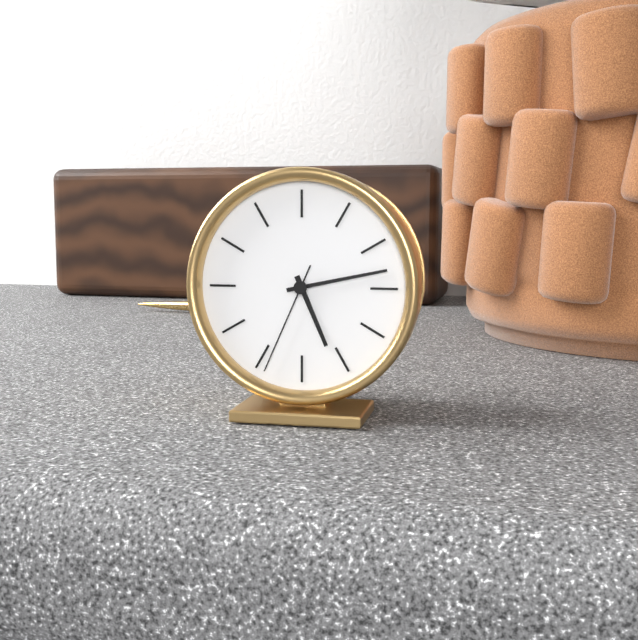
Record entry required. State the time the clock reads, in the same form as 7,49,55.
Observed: 5,13,34
